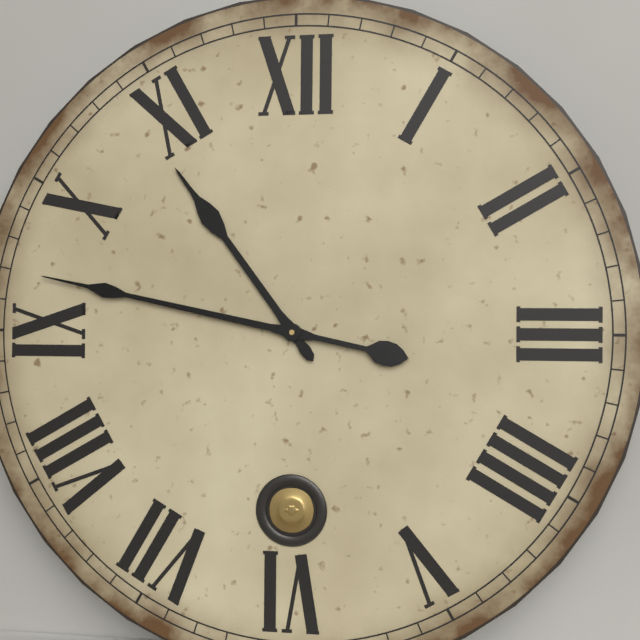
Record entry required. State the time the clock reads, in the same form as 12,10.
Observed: 10,47
